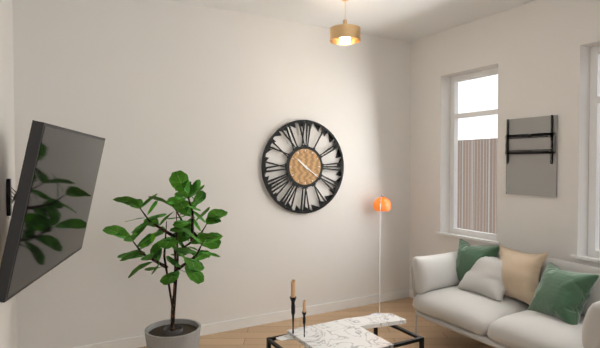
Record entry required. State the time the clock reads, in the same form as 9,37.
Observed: 10,21
